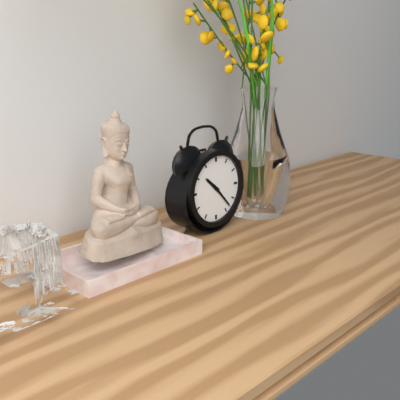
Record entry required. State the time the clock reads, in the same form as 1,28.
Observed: 10,23
